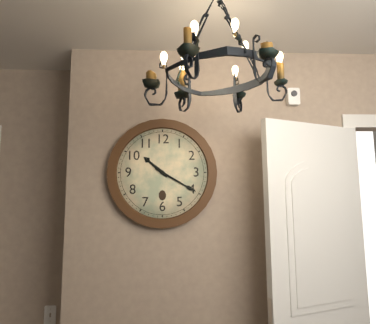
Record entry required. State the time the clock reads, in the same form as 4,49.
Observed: 10,20
